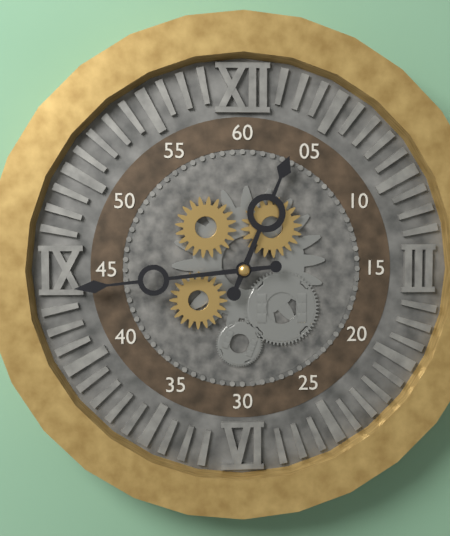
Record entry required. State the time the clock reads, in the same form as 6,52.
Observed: 12,44
